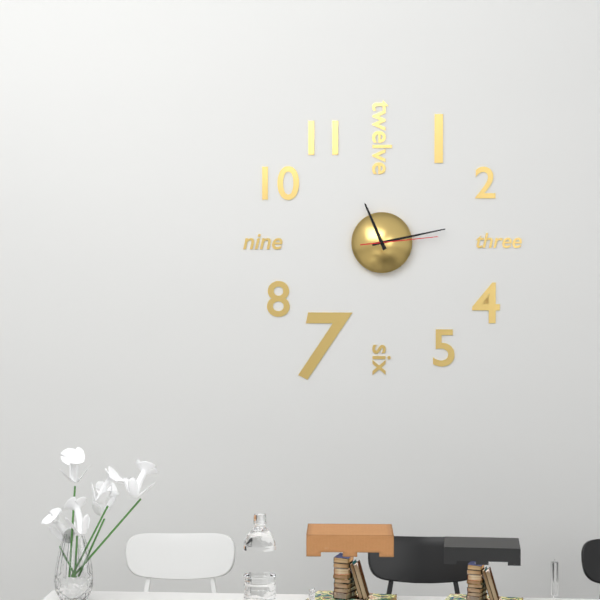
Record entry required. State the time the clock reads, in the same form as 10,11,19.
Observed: 11,13,14
